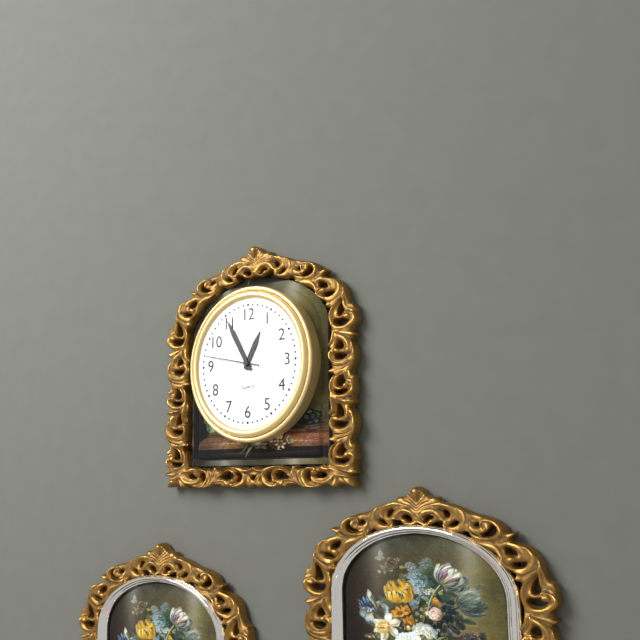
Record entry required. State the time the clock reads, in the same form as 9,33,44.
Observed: 12,55,47
